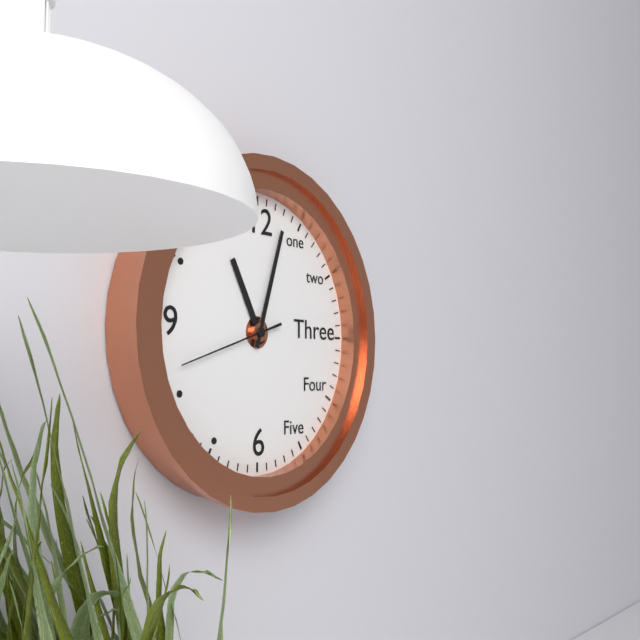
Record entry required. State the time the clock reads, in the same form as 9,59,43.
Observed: 11,03,42
